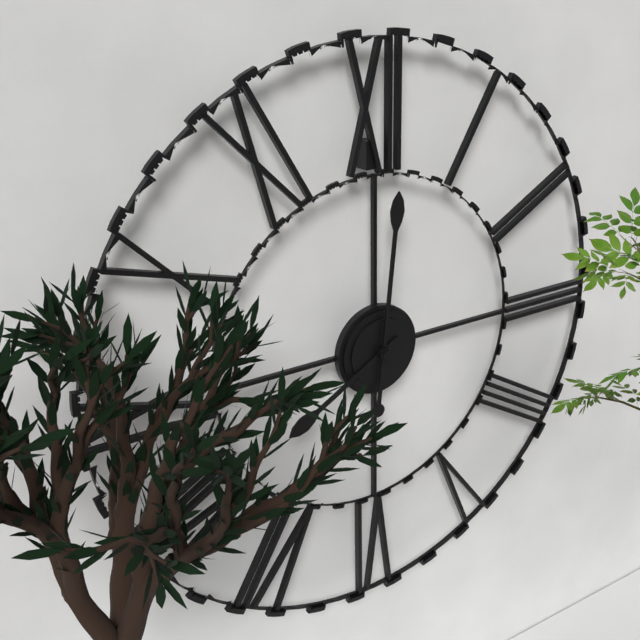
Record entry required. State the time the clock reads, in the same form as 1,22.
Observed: 8,01
